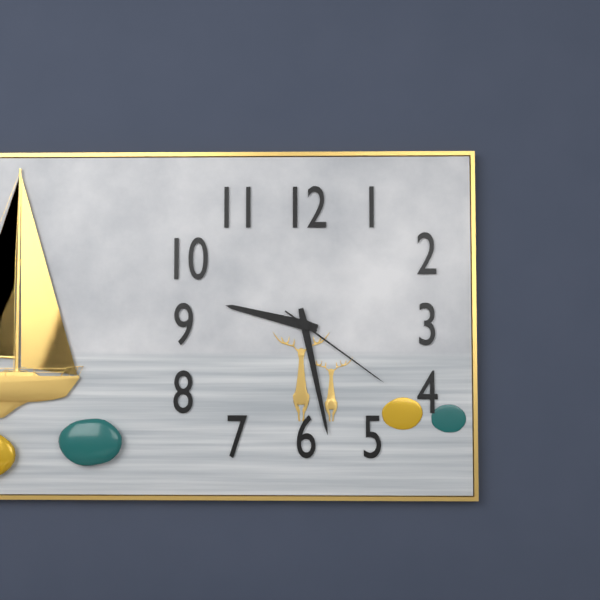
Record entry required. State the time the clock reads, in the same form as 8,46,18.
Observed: 9,28,21
